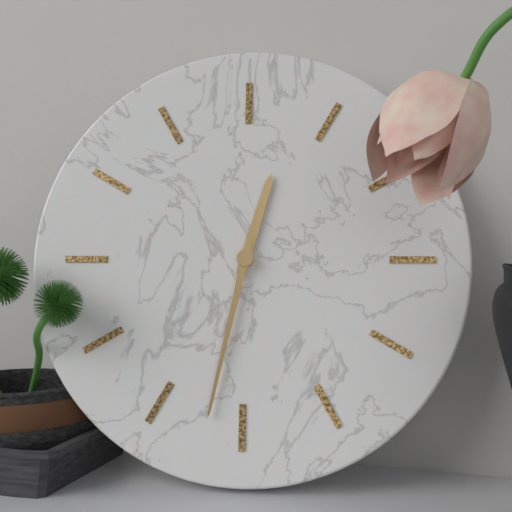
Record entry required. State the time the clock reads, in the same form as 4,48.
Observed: 12,32
